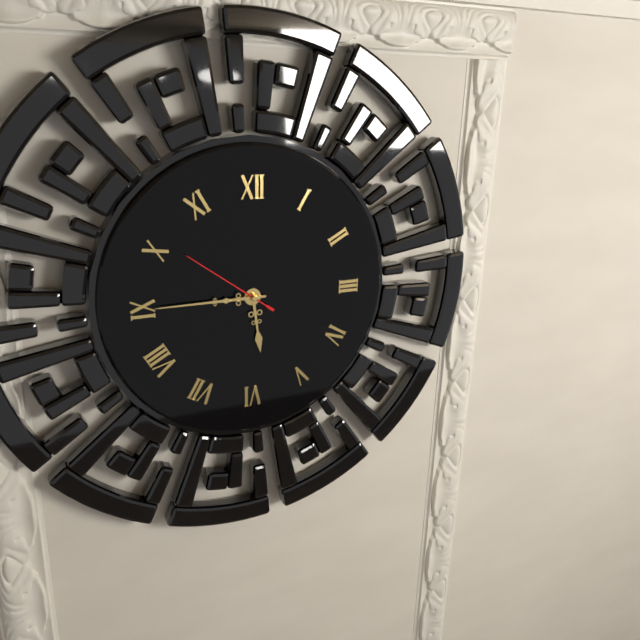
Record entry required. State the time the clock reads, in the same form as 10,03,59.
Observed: 5,45,51
